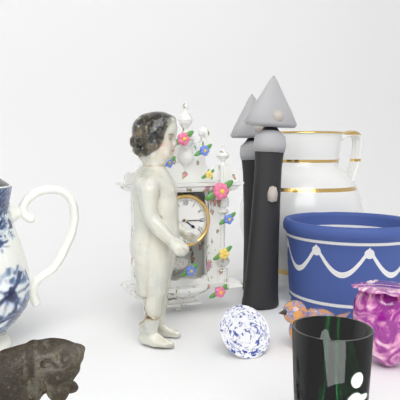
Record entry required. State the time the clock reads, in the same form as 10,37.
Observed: 4,15
